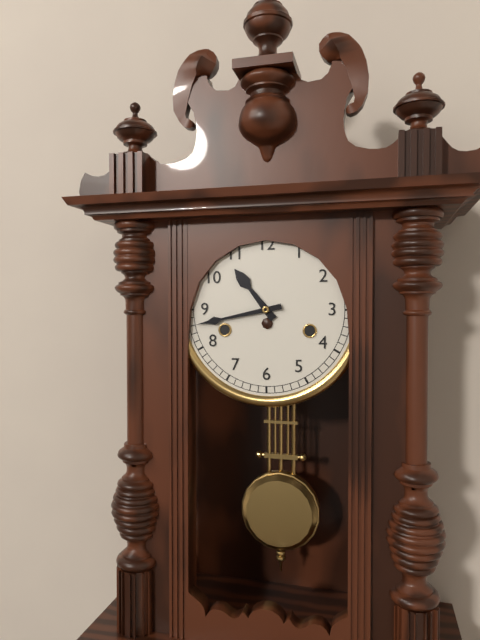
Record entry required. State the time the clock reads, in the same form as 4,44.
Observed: 10,43
